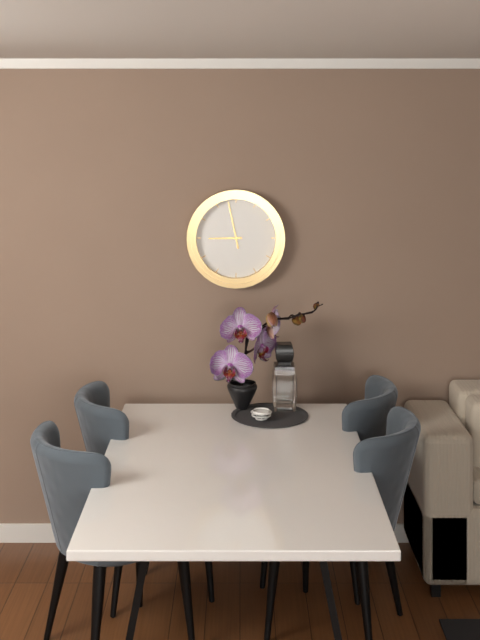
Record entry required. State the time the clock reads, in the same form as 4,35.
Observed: 8,58
